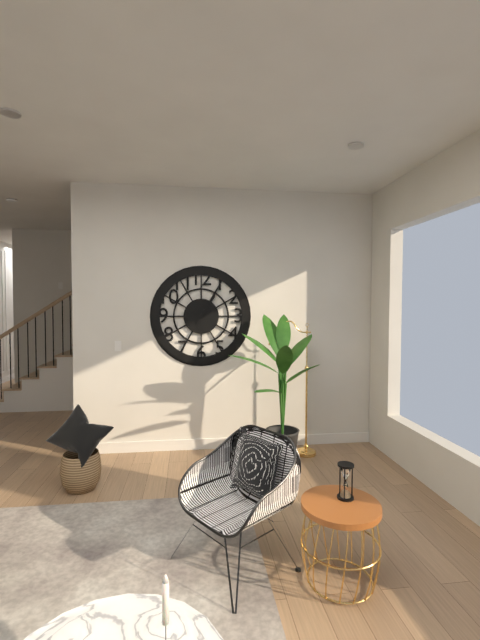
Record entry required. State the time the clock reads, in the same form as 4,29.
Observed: 1,05
